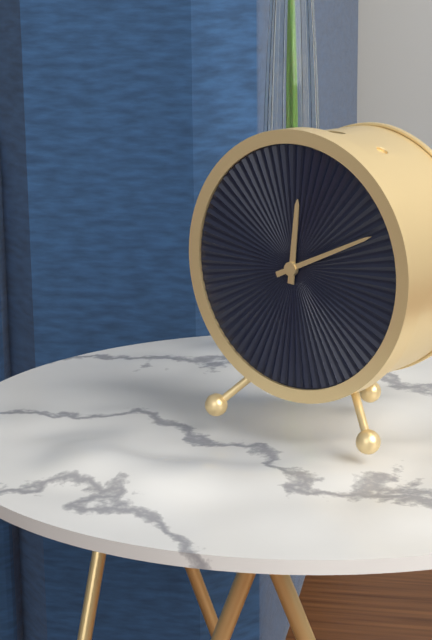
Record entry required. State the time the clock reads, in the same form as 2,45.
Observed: 12,11
